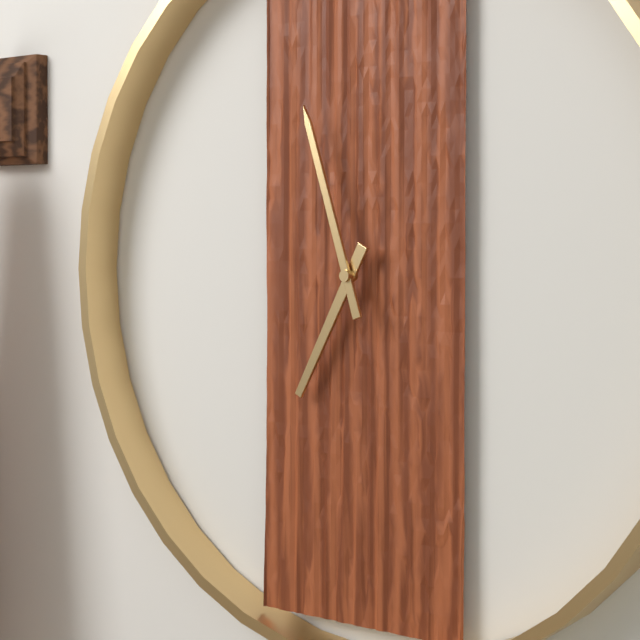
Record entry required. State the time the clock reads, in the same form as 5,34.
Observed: 6,57
